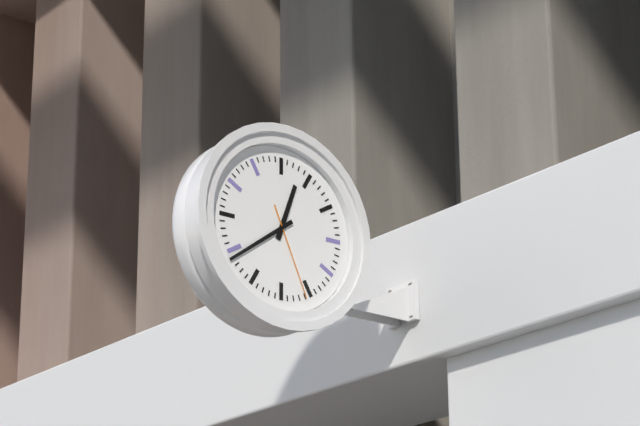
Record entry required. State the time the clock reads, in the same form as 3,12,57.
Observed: 12,39,26
